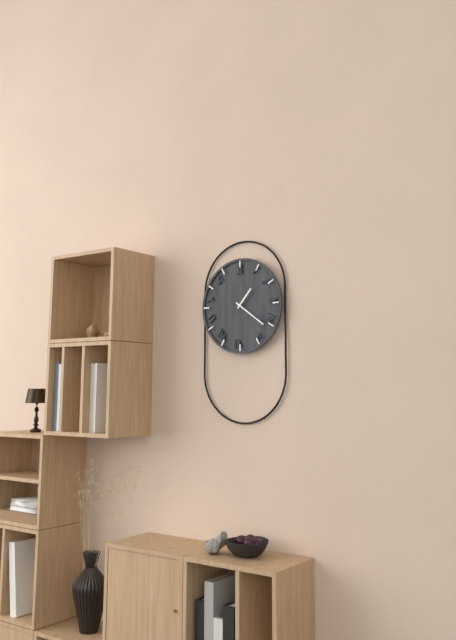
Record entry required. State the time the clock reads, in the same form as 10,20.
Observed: 1,21
